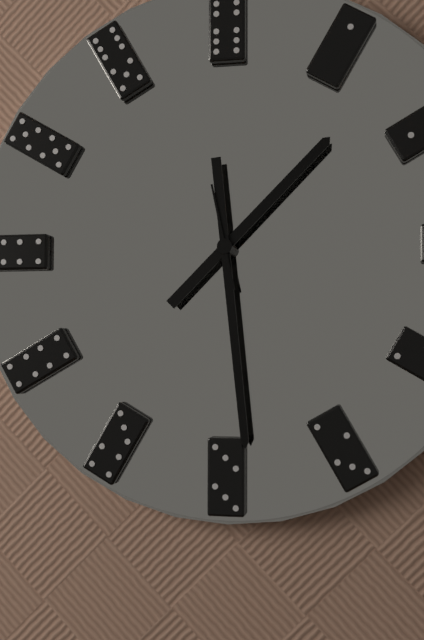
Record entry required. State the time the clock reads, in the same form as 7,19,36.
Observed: 1,29,58
